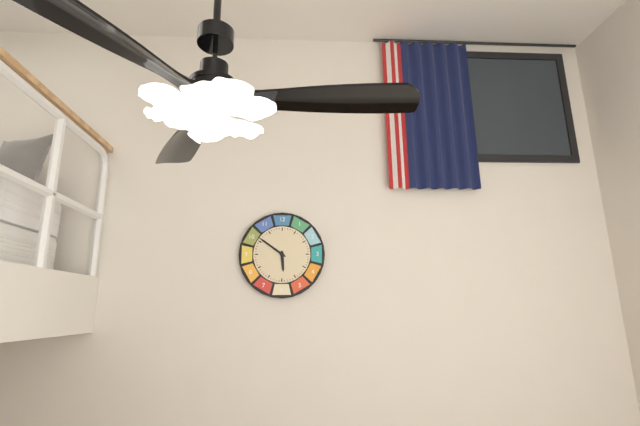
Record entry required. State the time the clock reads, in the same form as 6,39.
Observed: 5,51
